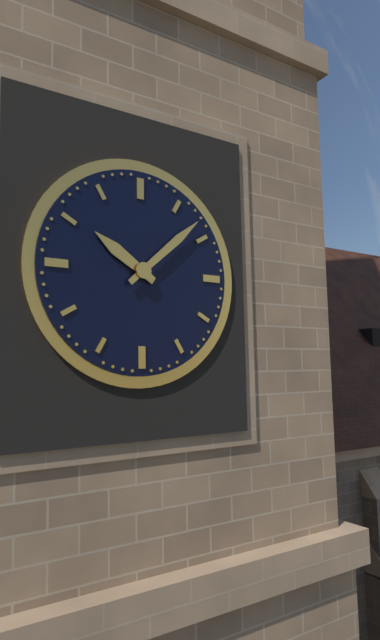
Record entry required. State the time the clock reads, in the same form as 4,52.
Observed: 10,08
